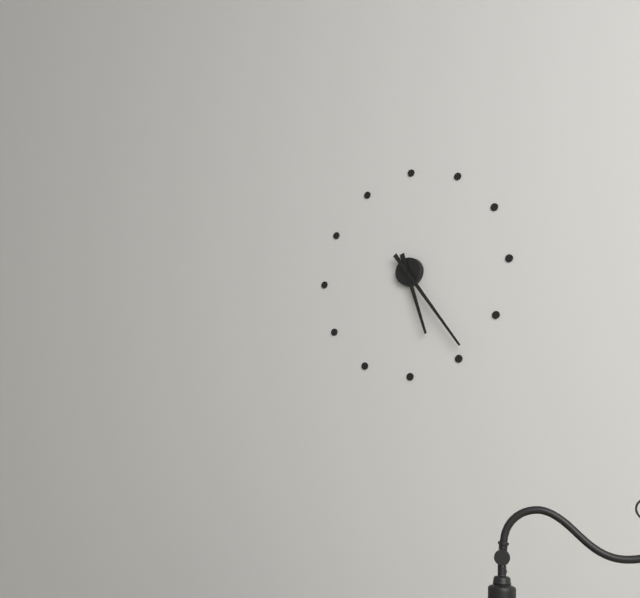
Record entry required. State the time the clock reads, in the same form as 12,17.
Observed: 5,24
